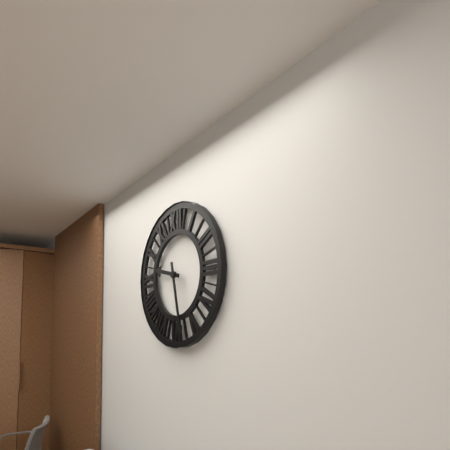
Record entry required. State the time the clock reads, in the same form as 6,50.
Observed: 9,28
